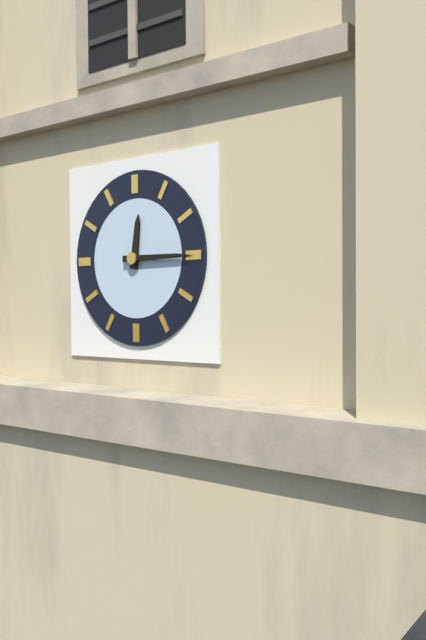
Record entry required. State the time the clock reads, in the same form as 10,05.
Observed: 12,15
